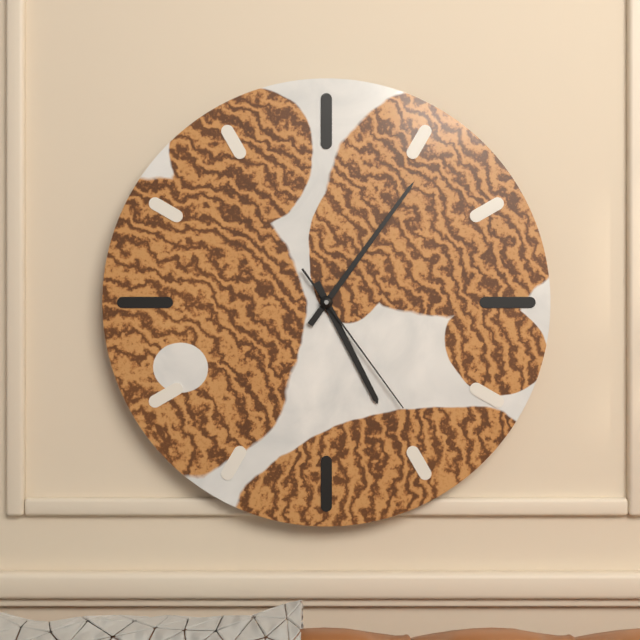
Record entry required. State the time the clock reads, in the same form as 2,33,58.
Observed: 5,06,24
